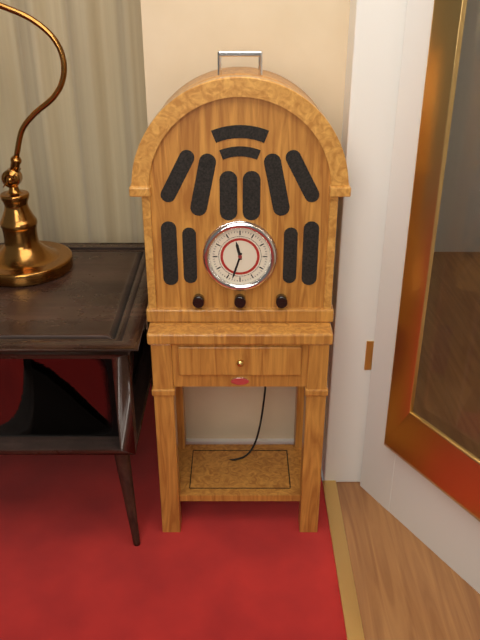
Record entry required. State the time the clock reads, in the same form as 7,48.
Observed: 11,33
